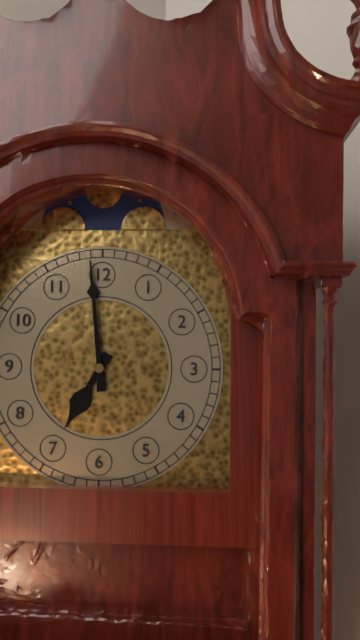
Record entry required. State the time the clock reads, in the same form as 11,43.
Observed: 6,59
